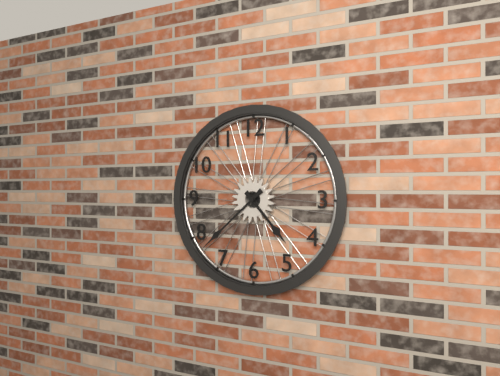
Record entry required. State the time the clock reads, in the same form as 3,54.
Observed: 4,38
